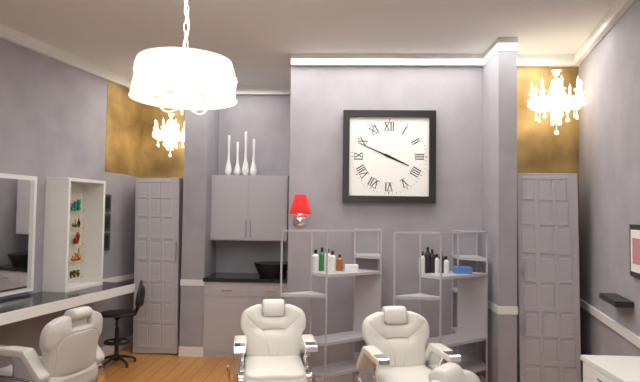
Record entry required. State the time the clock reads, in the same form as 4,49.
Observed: 3,49
